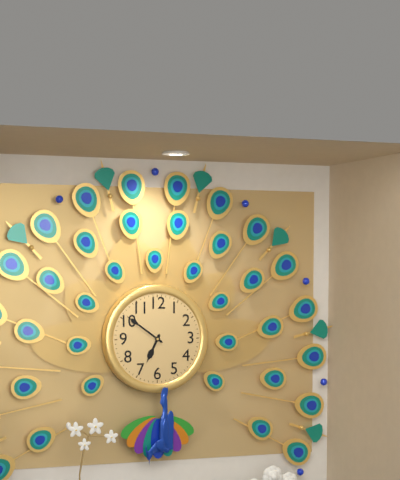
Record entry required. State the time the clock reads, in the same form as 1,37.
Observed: 6,51
